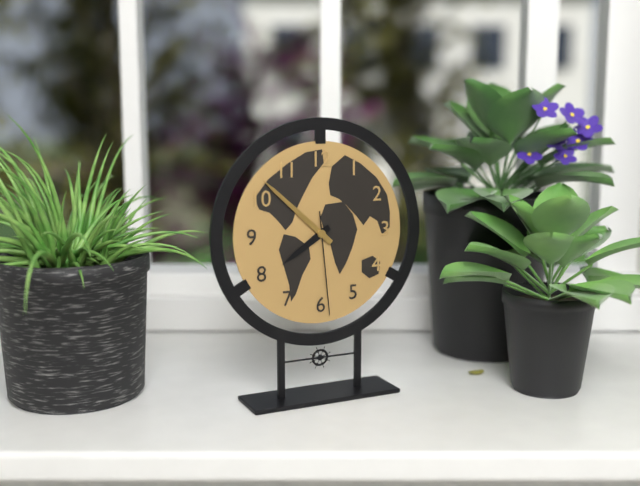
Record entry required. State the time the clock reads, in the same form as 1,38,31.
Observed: 7,52,29
